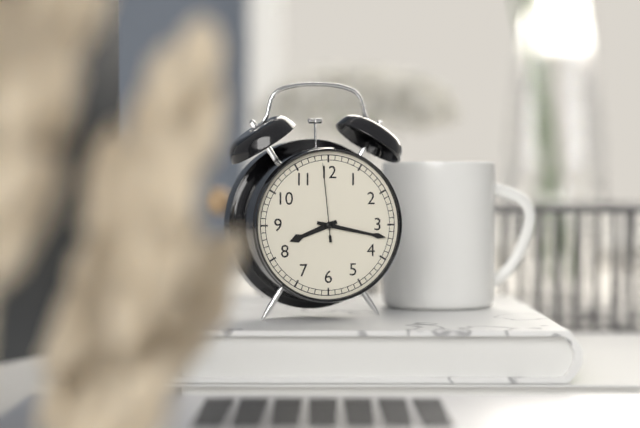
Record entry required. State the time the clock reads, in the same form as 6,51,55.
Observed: 8,17,59
